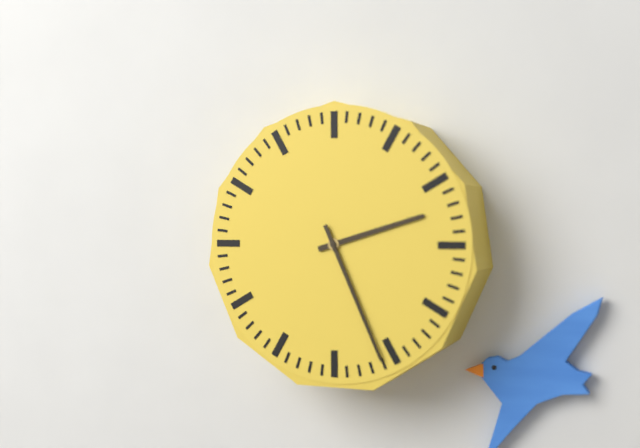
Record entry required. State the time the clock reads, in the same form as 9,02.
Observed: 2,26
